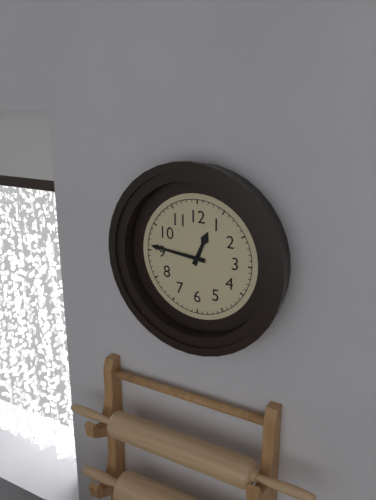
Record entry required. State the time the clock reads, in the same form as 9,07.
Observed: 12,46
